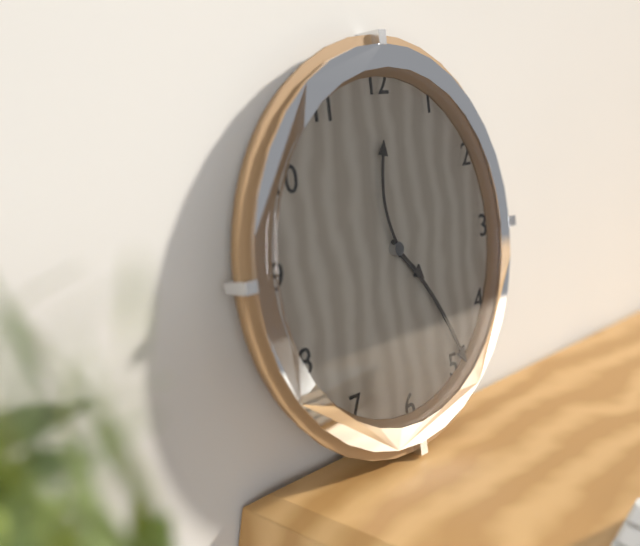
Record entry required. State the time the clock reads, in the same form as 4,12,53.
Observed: 4,24,59
